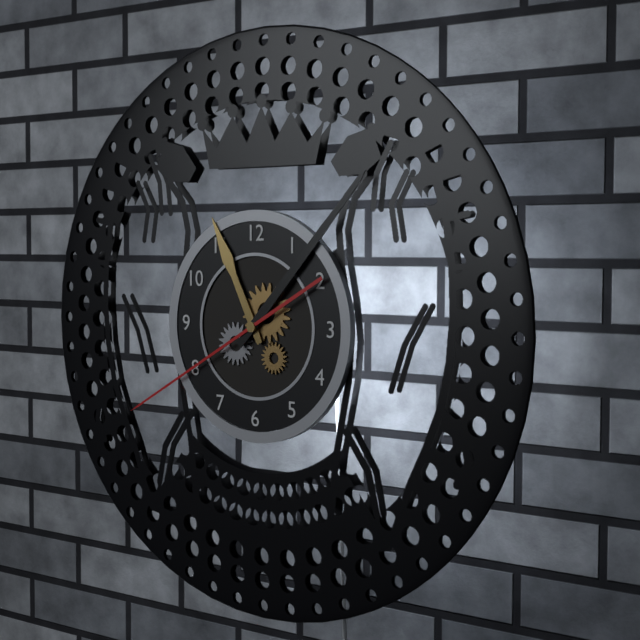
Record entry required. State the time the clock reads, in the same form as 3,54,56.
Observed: 11,07,40
